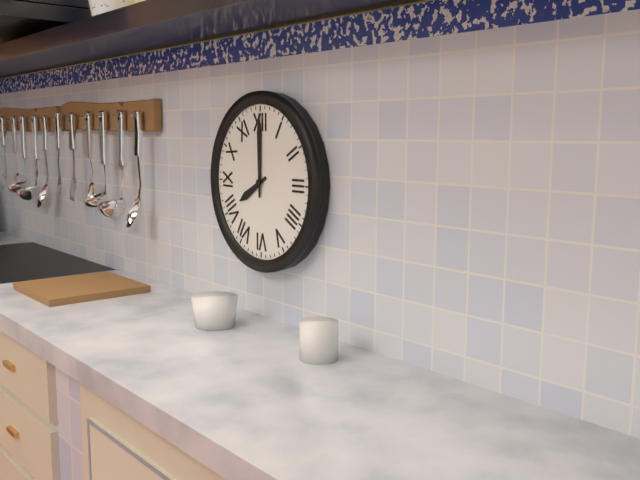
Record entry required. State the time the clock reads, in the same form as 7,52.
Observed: 8,00
